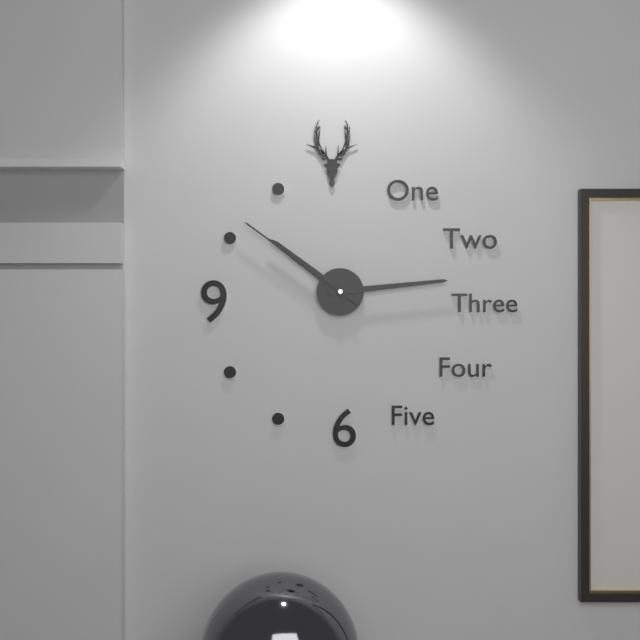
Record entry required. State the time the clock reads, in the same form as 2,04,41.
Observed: 10,14,51
